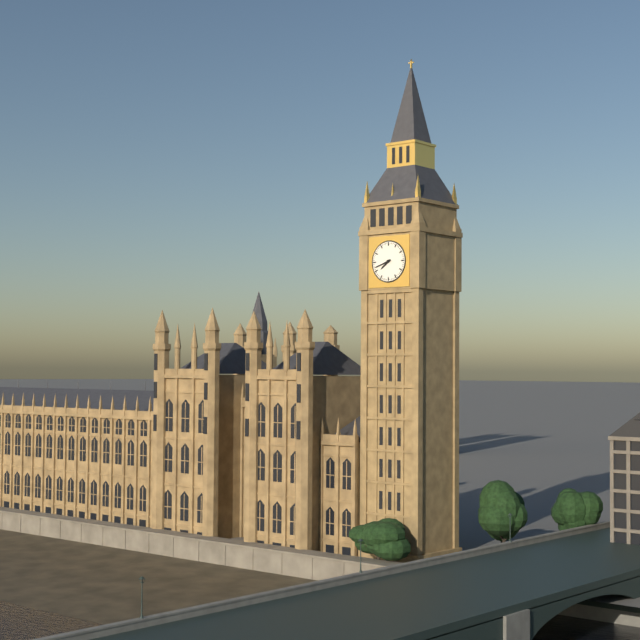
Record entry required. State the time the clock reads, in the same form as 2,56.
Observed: 7,42
